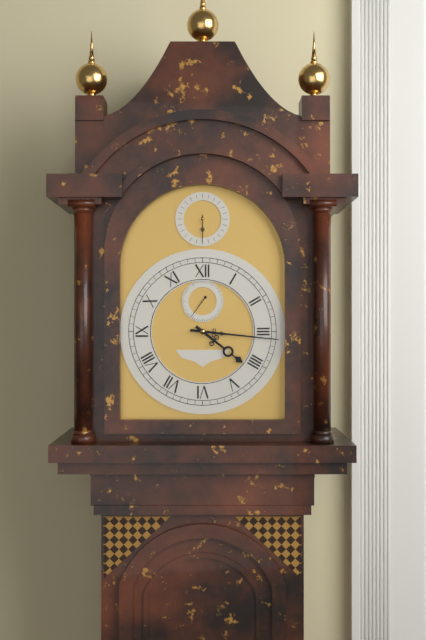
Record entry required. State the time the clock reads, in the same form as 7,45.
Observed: 4,16
